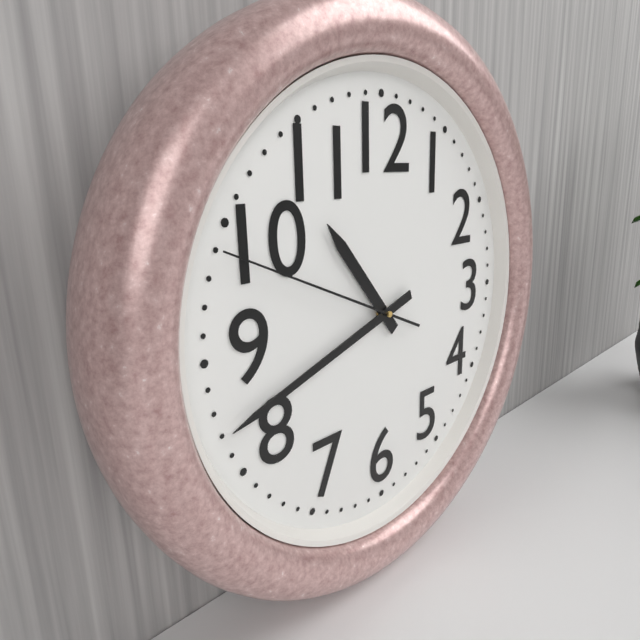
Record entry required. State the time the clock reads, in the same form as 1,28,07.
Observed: 10,42,49
